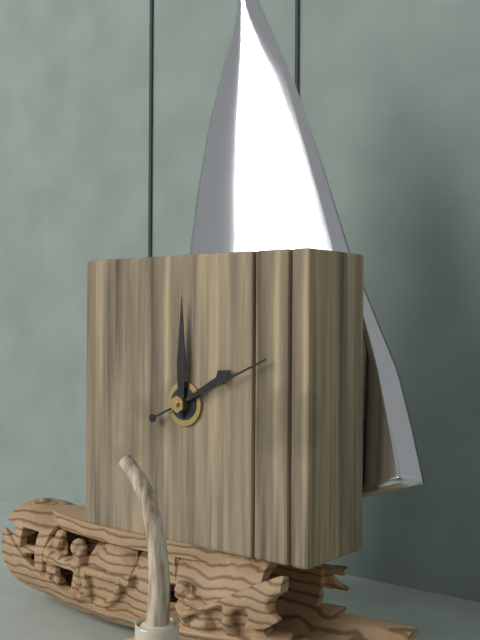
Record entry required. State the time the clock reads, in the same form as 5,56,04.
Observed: 2,00,11
